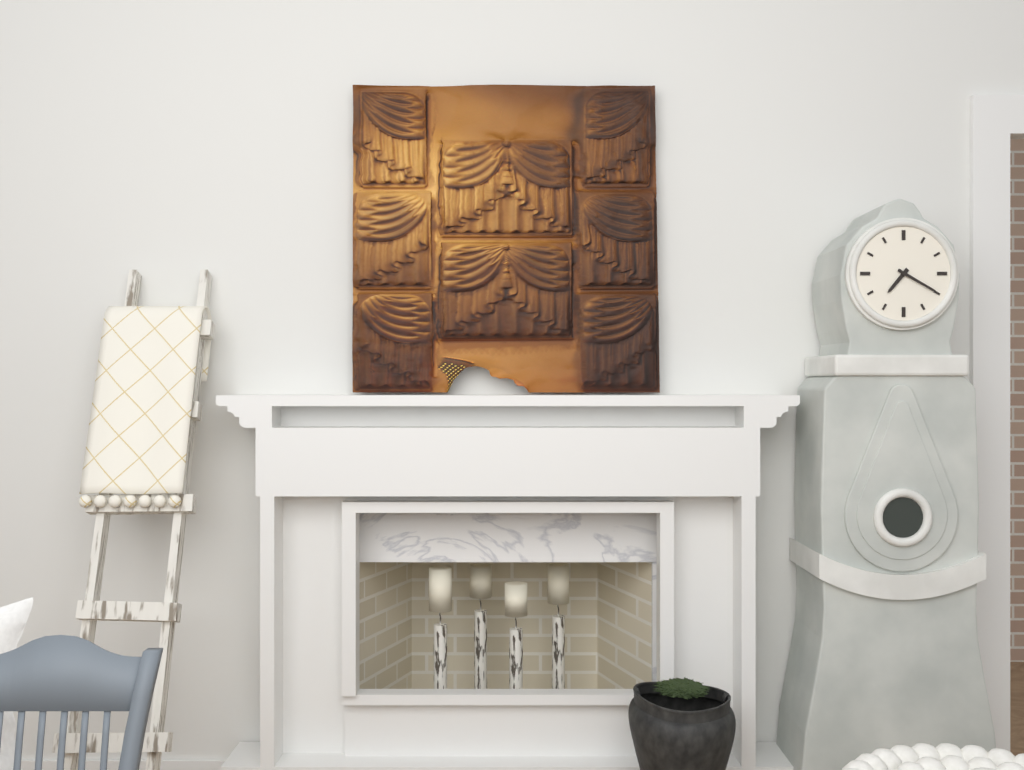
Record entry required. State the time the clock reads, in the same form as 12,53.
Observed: 7,20
